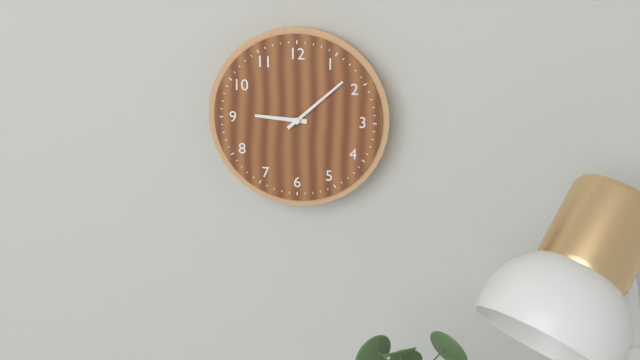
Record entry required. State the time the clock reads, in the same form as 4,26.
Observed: 9,08
